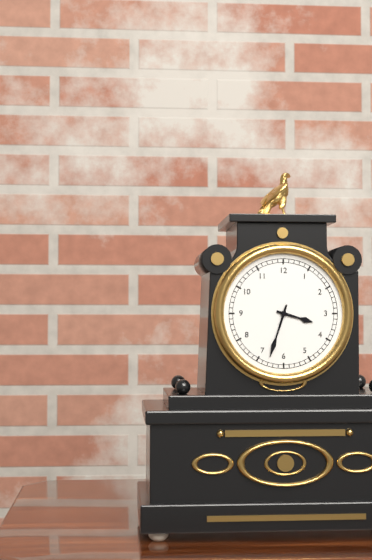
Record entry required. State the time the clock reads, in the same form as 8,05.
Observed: 3,33
